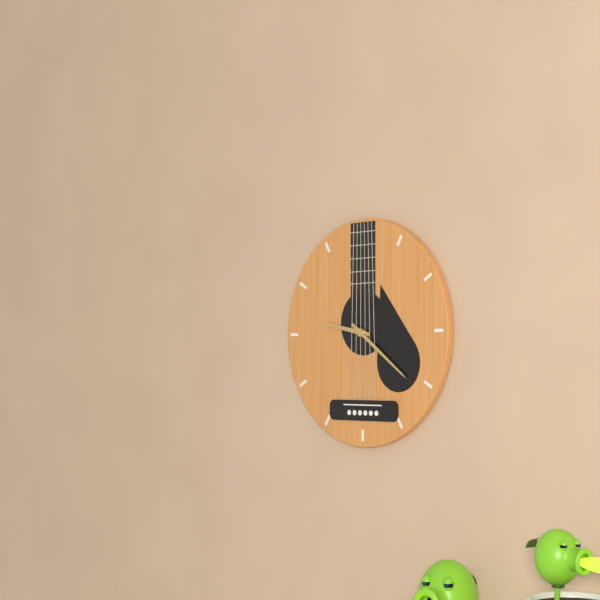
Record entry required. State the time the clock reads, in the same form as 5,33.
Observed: 9,21
